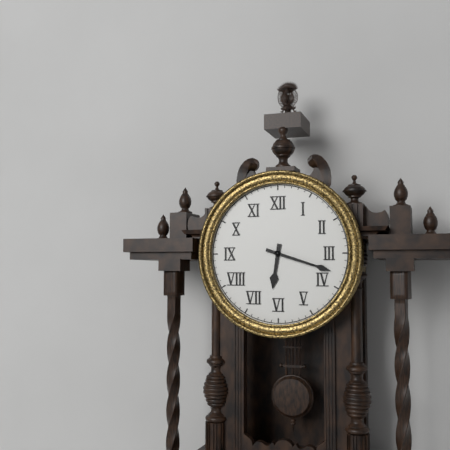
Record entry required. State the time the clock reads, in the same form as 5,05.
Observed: 6,18
